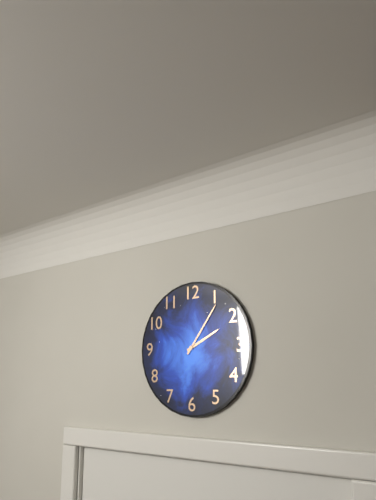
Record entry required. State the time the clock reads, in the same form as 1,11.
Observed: 2,06
